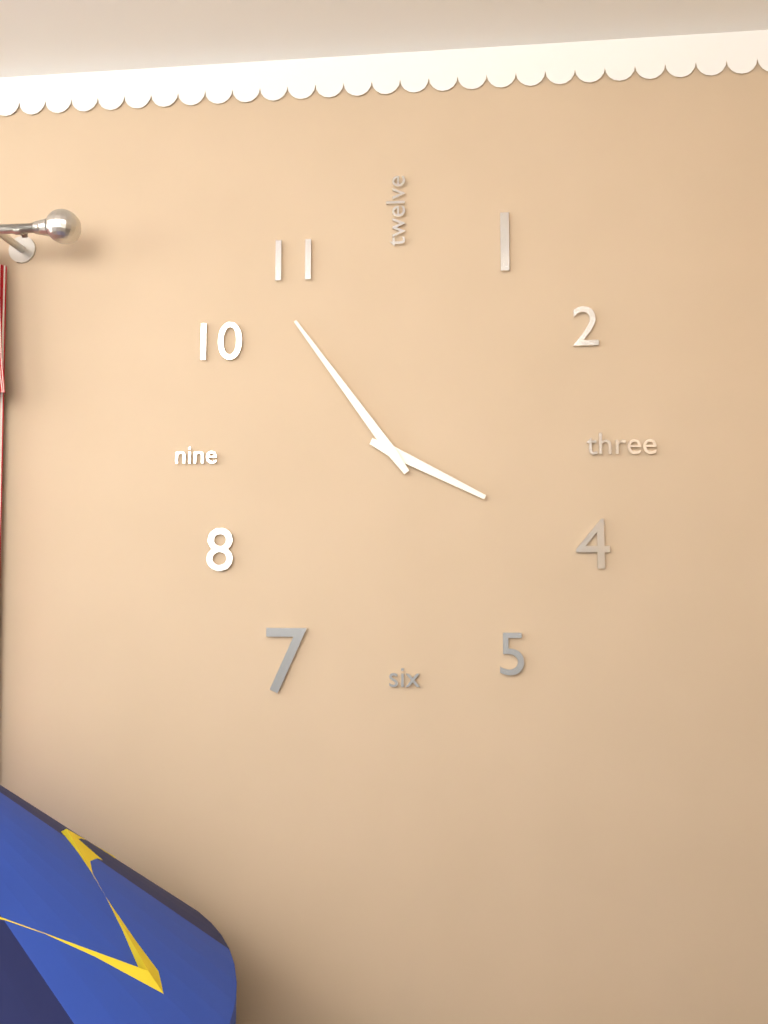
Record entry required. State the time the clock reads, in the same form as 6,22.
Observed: 3,54
